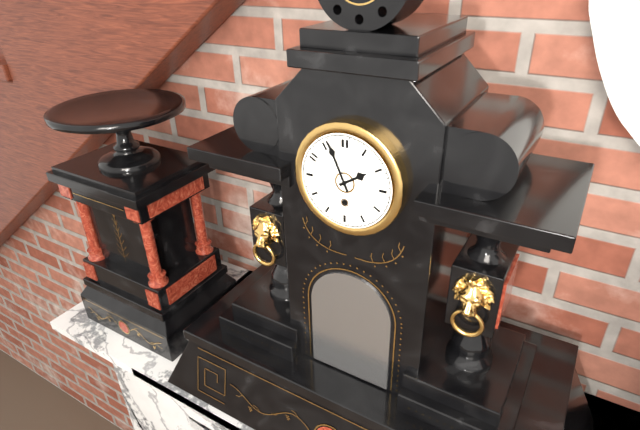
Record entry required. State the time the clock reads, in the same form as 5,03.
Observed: 1,56
